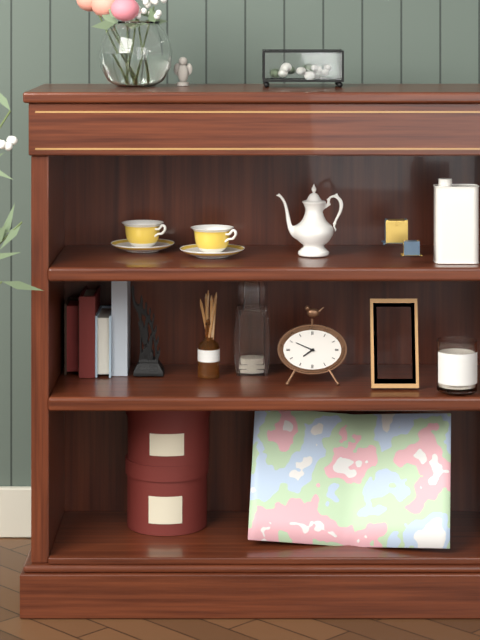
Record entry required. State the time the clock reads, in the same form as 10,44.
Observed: 7,49
